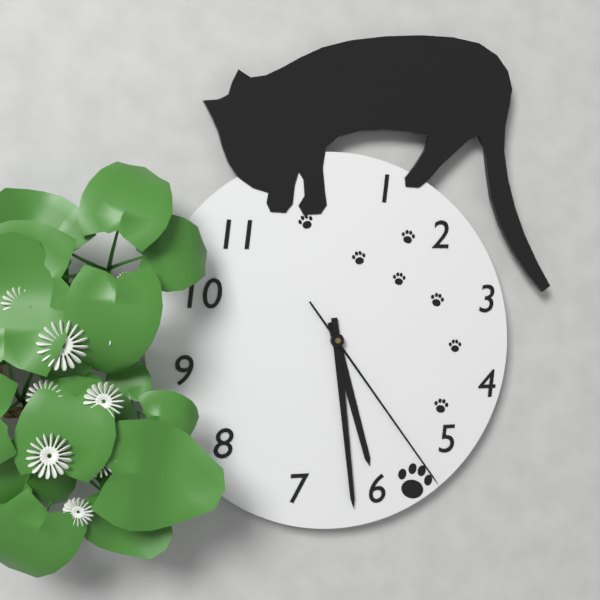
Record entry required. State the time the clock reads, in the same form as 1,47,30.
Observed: 5,29,24
